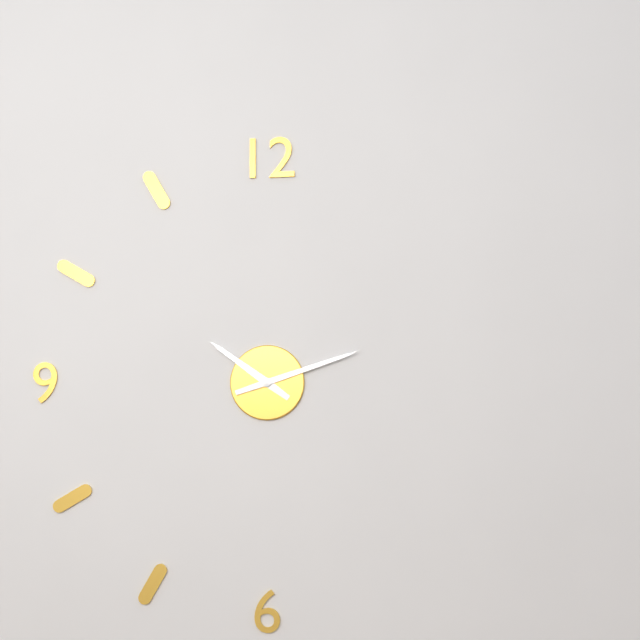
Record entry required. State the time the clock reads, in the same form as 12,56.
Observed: 10,12
